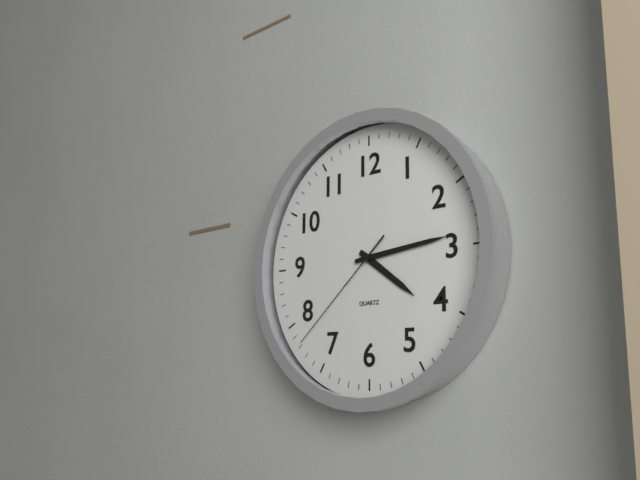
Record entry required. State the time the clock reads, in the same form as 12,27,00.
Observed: 4,14,38
